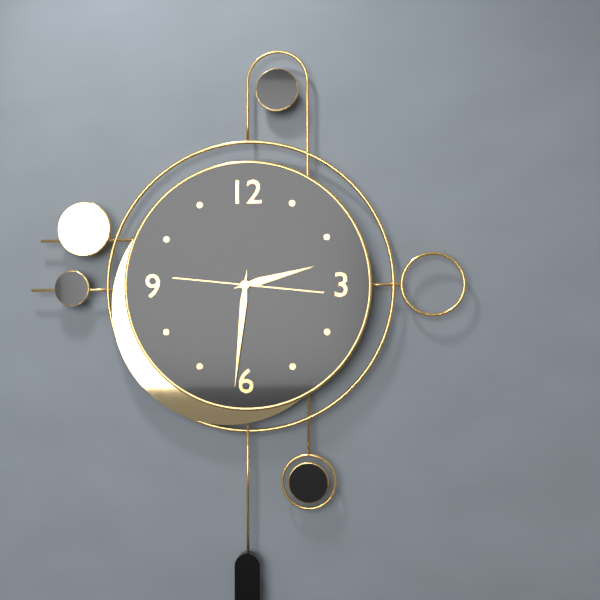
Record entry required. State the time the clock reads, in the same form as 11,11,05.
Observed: 2,31,16
